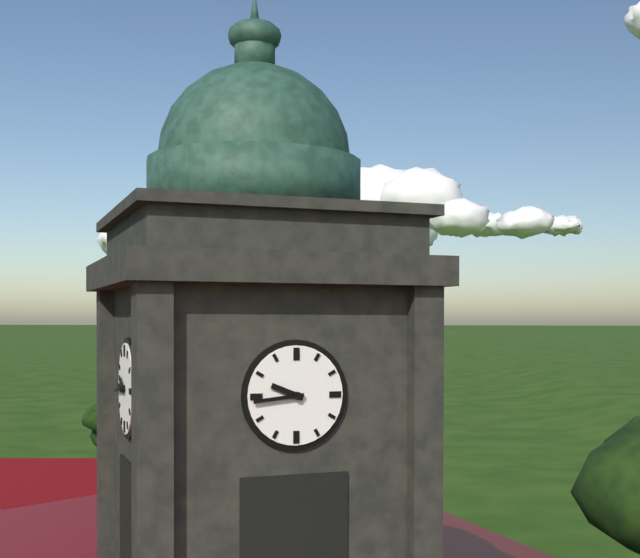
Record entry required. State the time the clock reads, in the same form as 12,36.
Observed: 9,44
